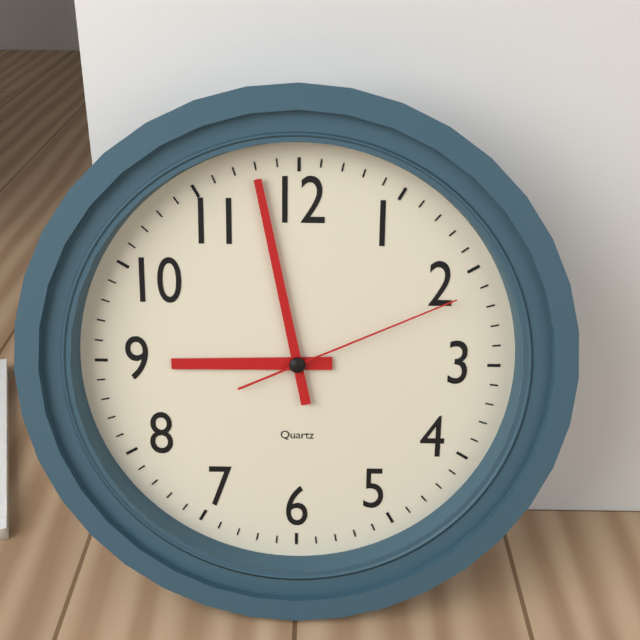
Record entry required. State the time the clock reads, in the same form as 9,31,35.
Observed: 8,58,11
